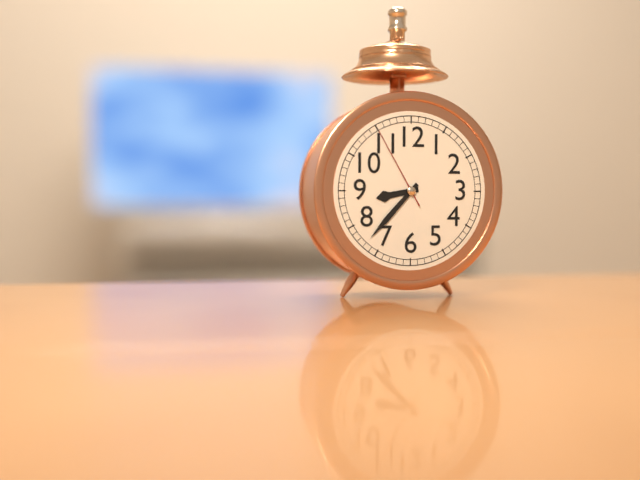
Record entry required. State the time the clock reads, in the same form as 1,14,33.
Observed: 8,37,55
